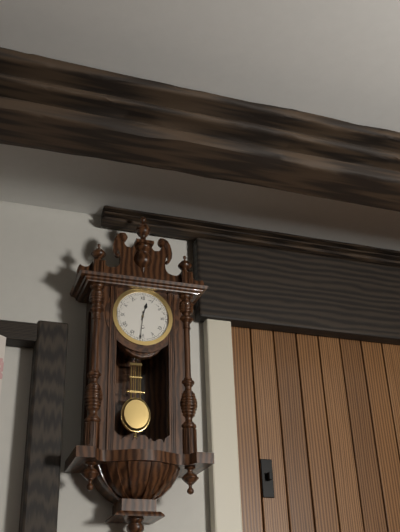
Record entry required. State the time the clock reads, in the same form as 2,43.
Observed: 12,31
